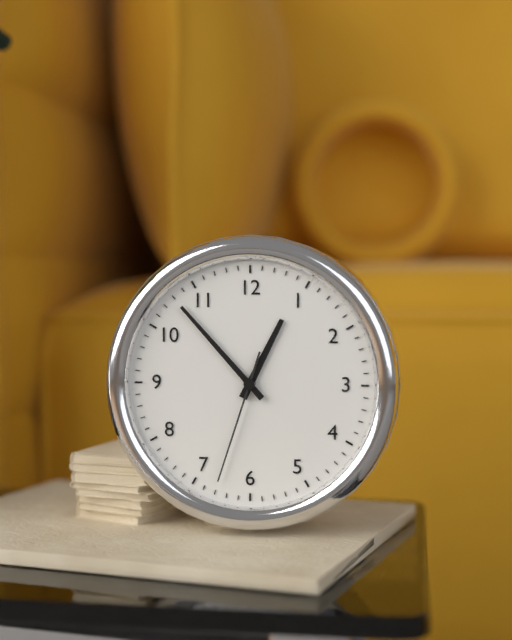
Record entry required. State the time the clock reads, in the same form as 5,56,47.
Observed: 12,53,33
